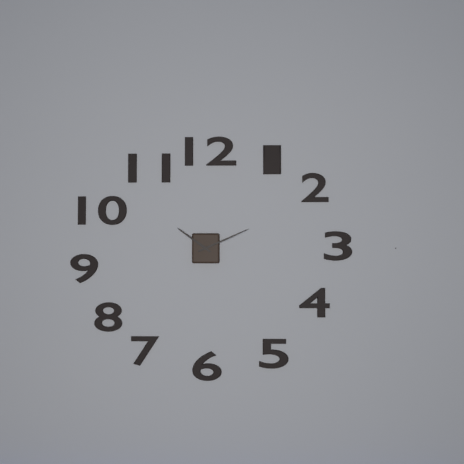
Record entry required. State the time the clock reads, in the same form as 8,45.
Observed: 10,11
